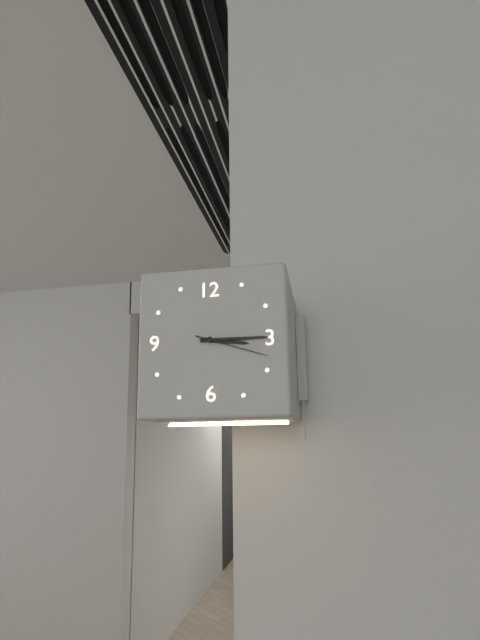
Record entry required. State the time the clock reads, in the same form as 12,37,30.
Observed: 3,15,18
